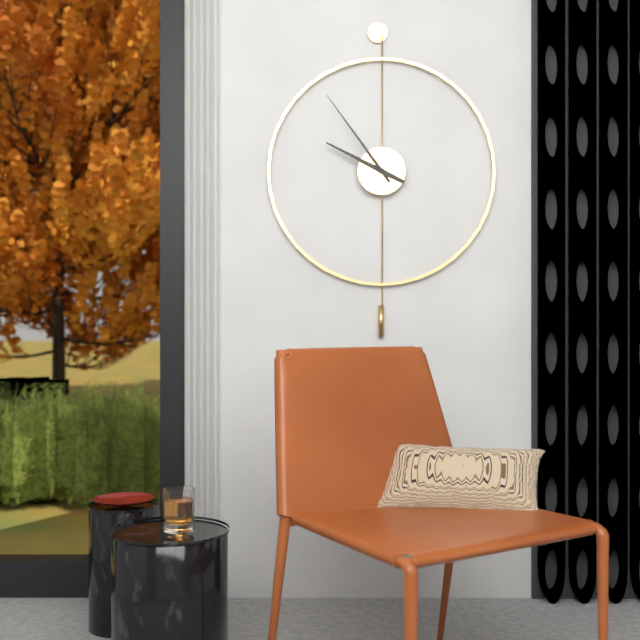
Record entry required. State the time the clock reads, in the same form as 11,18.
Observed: 9,54
